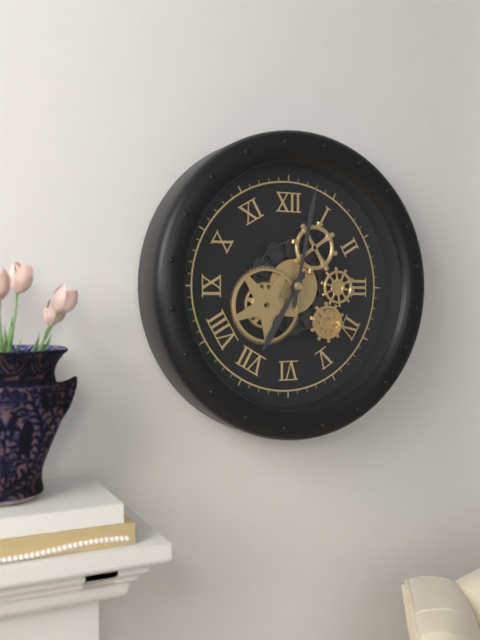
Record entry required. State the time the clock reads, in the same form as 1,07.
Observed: 7,02
